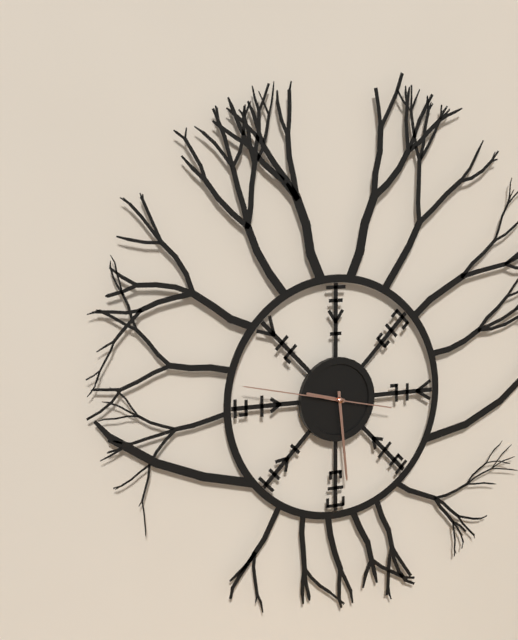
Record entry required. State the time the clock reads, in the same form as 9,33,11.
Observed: 9,29,47
